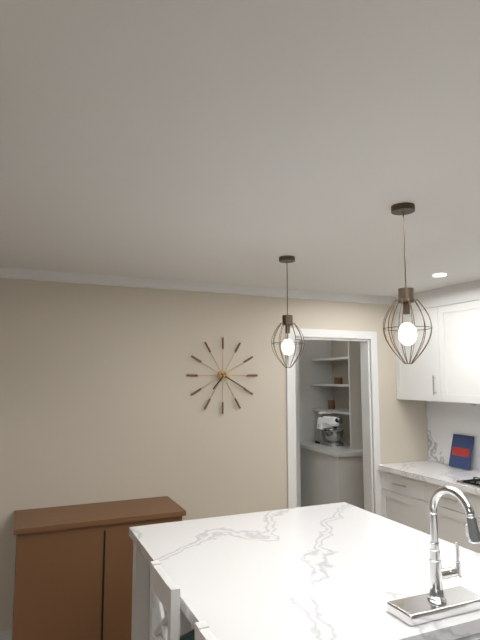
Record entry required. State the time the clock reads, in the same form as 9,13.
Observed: 7,20
